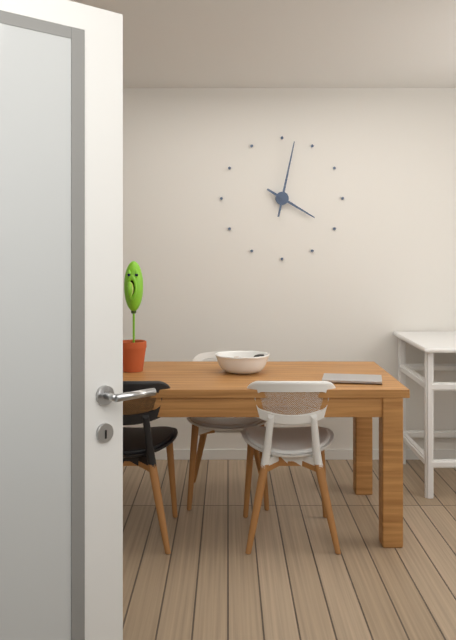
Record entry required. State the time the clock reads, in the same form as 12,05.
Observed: 4,02
